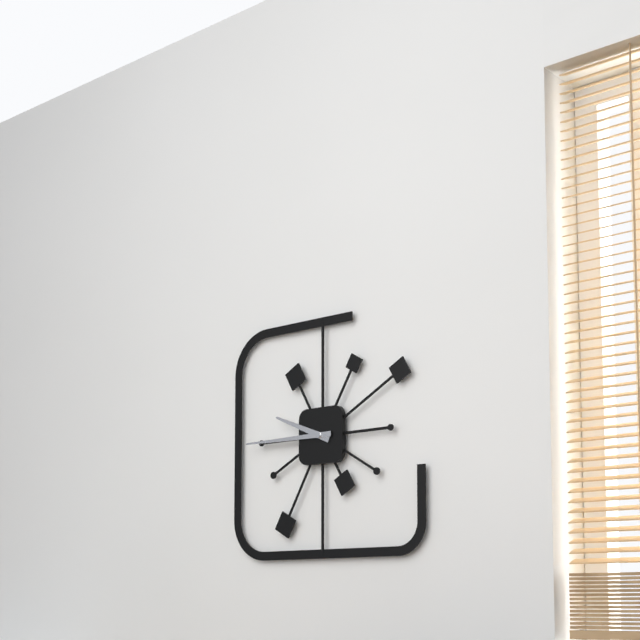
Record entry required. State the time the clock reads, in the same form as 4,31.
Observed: 9,45
